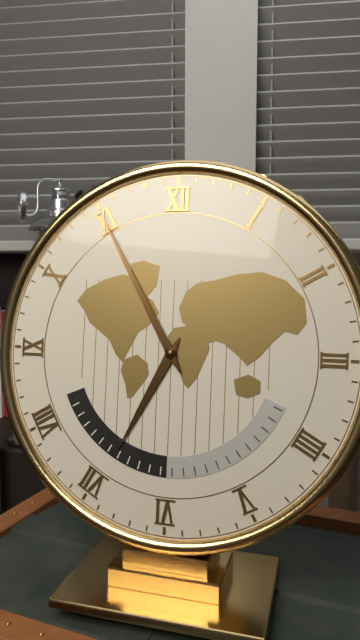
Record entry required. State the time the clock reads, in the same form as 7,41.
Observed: 6,55
